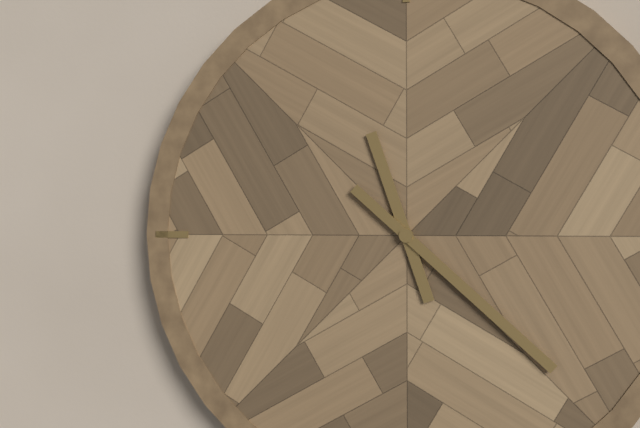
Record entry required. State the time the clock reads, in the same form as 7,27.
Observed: 11,22
